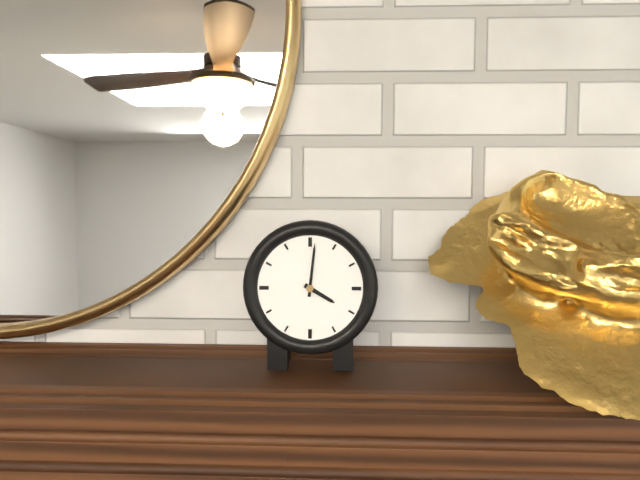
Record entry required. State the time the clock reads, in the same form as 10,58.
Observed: 4,01
